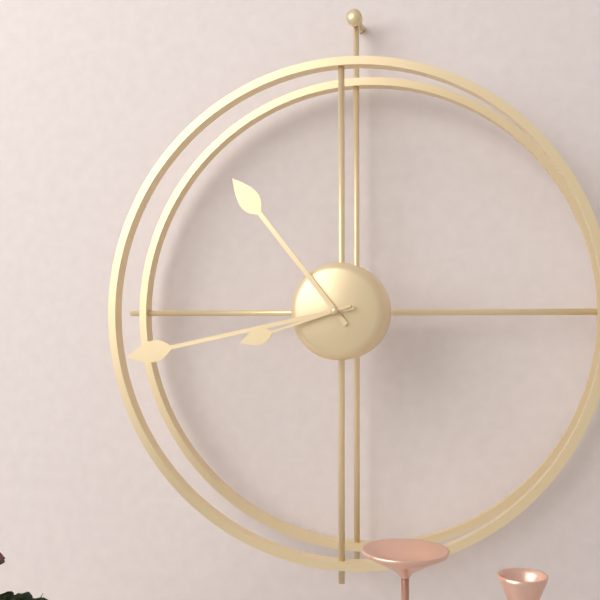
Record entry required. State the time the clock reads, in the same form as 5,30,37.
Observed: 10,43,42
